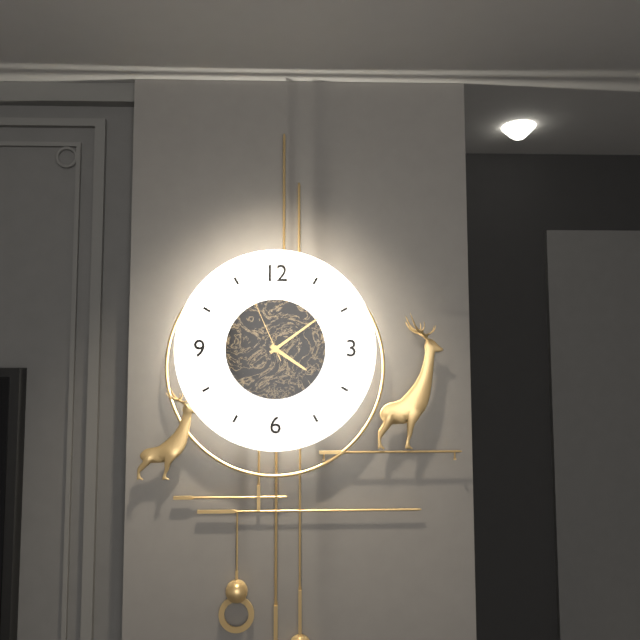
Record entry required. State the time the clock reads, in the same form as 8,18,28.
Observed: 4,09,56
